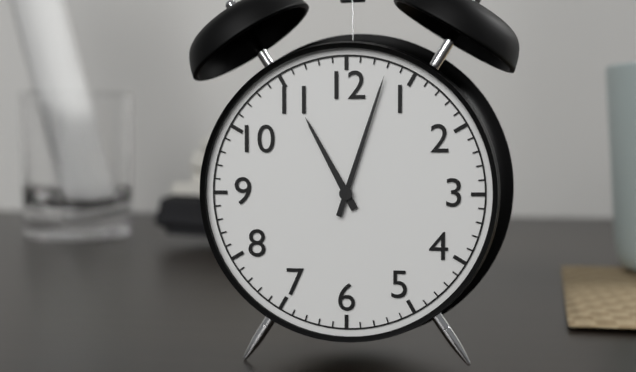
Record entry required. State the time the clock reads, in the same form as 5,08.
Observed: 11,03
